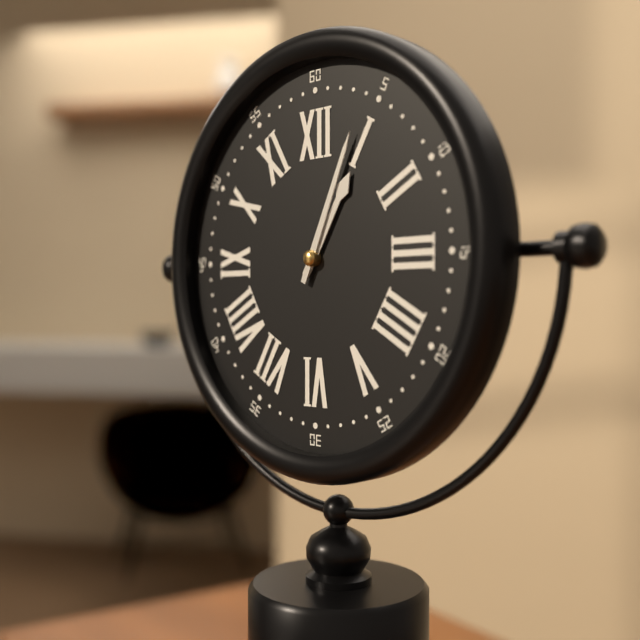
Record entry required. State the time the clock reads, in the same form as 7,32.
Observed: 1,04
